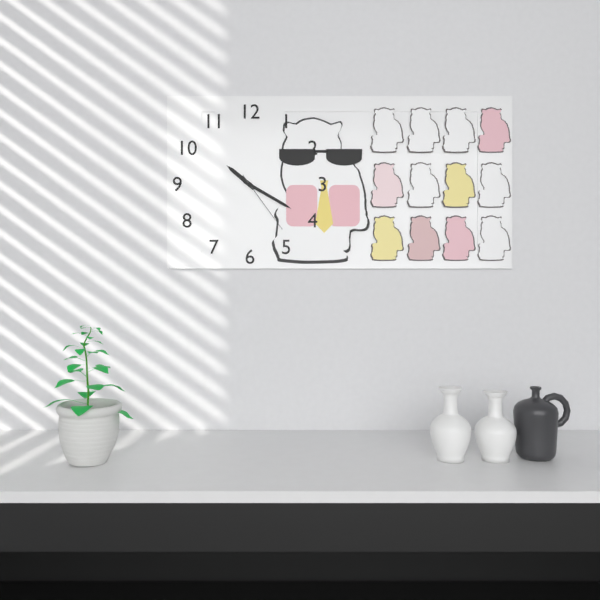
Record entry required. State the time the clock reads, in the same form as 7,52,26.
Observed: 10,20,24
